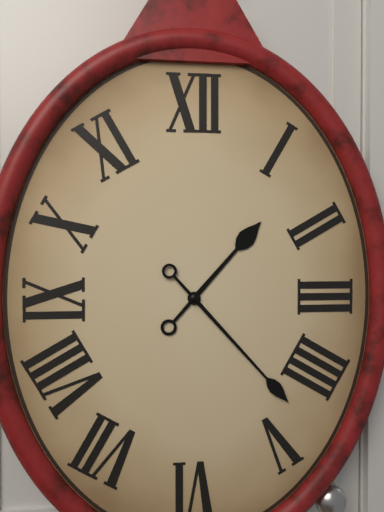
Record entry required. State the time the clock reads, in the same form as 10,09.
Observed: 1,23
